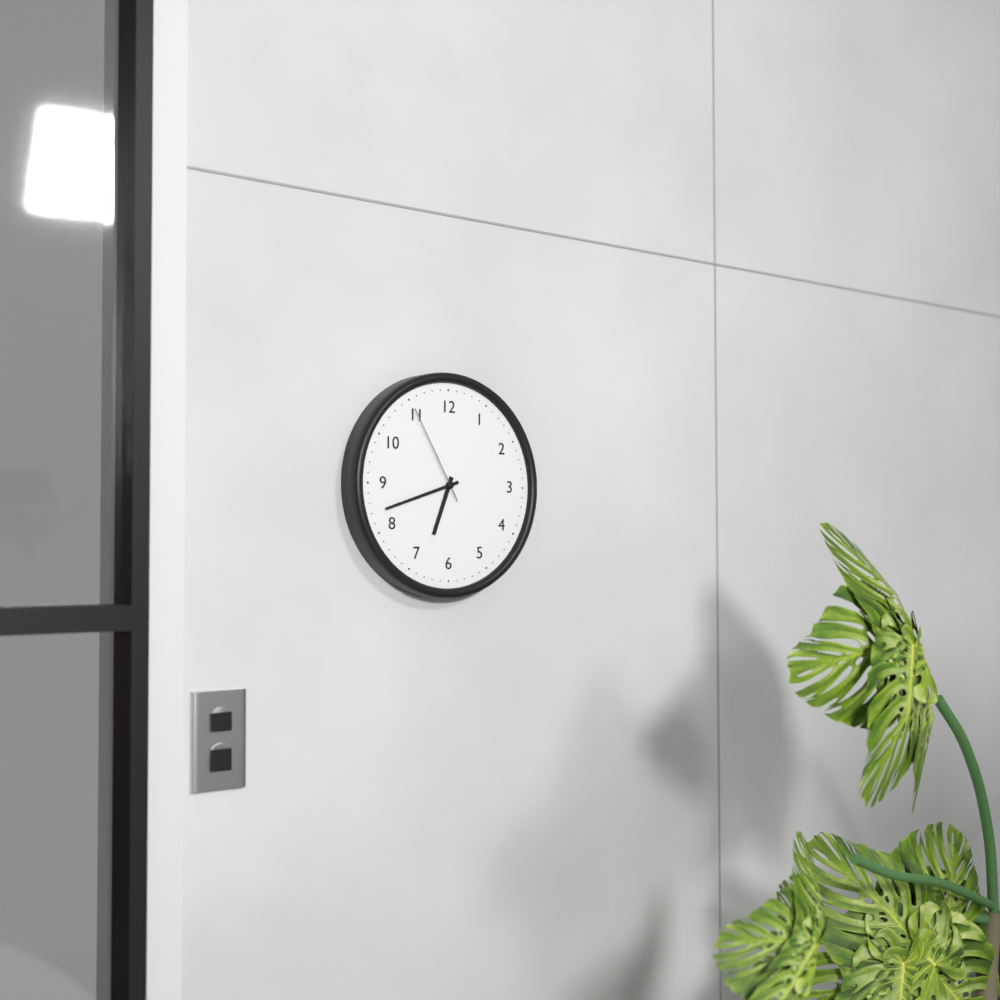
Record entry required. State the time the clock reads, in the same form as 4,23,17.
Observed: 6,42,55
